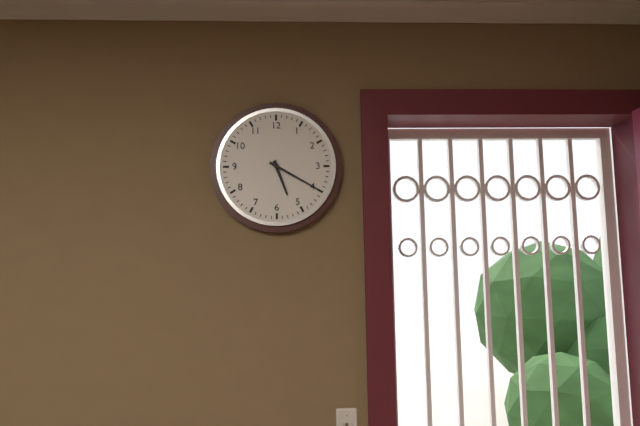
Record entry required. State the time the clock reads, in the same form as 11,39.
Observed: 5,20
